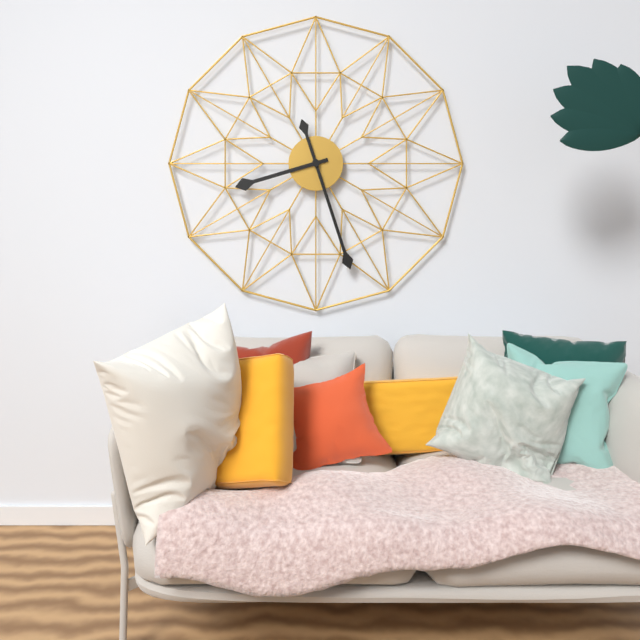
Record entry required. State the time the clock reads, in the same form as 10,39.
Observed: 8,27
